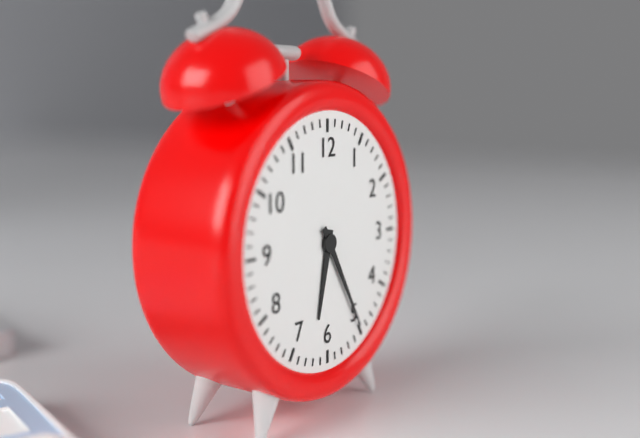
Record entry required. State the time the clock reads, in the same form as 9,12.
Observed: 6,25
